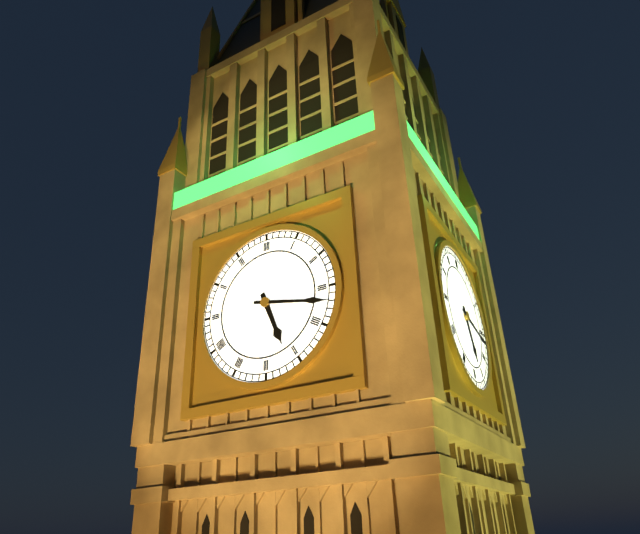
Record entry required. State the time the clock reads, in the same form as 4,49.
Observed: 5,17
